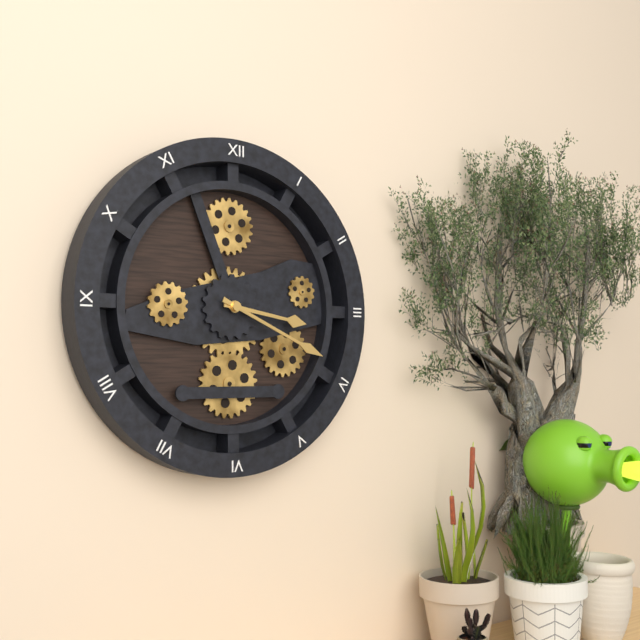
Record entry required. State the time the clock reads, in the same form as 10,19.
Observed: 3,19
